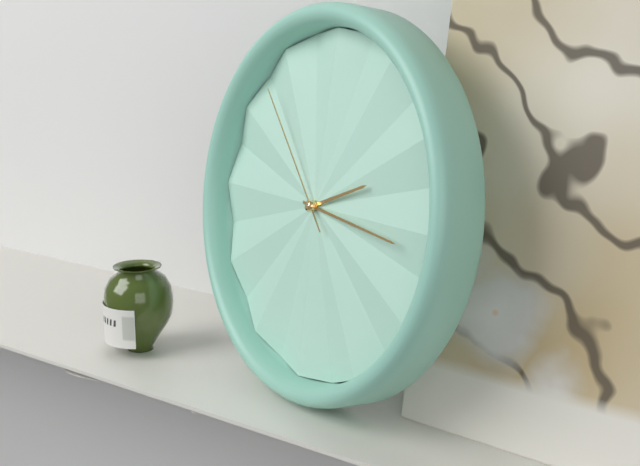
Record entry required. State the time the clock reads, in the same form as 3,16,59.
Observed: 2,16,53
